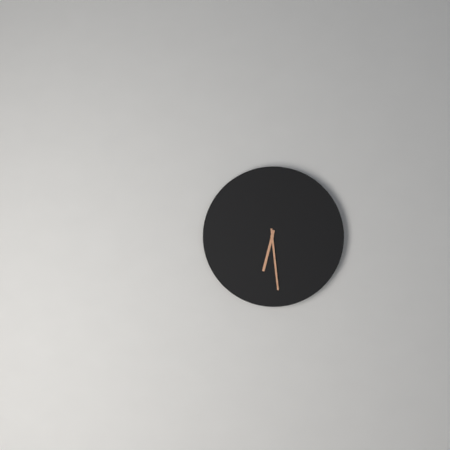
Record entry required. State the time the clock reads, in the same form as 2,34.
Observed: 6,29
